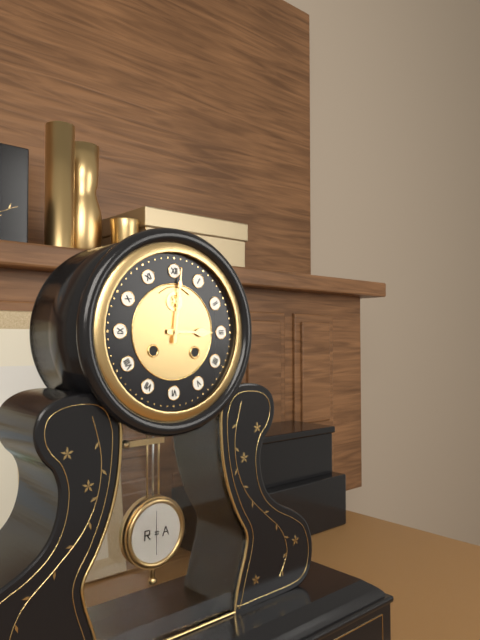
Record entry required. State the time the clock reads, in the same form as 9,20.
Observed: 3,01
